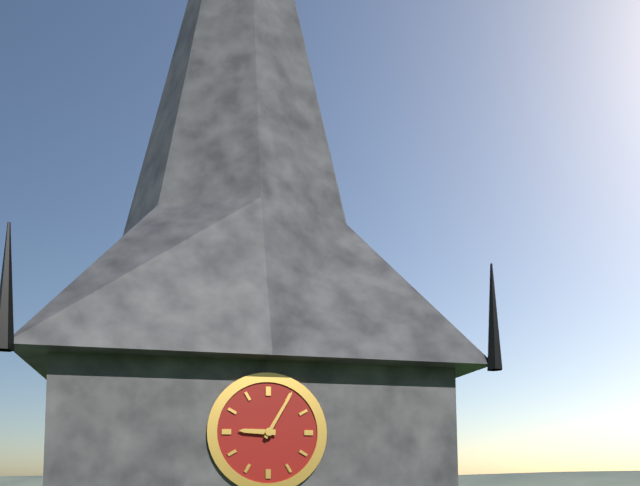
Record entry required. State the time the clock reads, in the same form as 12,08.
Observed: 9,05
